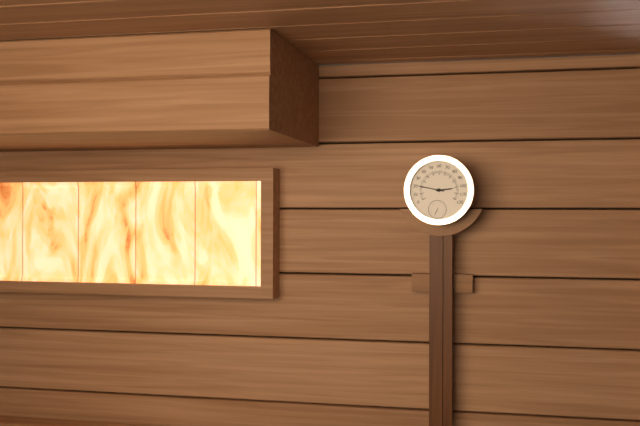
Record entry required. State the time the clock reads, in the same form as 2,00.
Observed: 2,47
